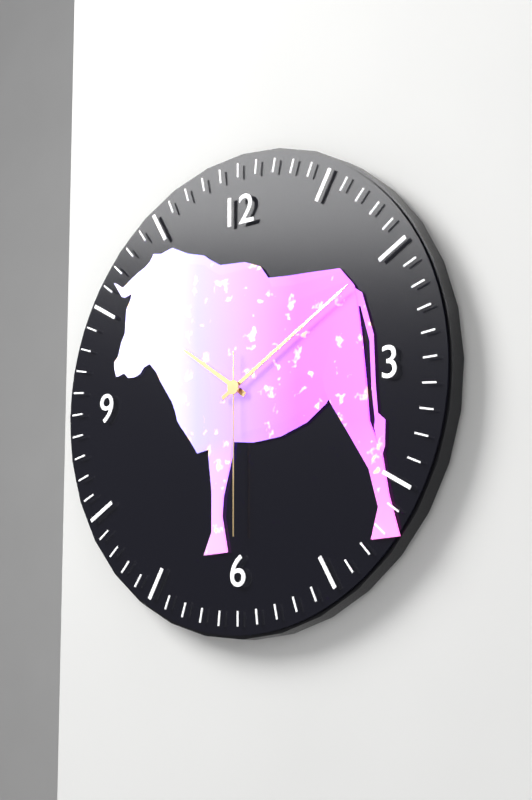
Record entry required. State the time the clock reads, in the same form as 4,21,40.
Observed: 10,10,30
